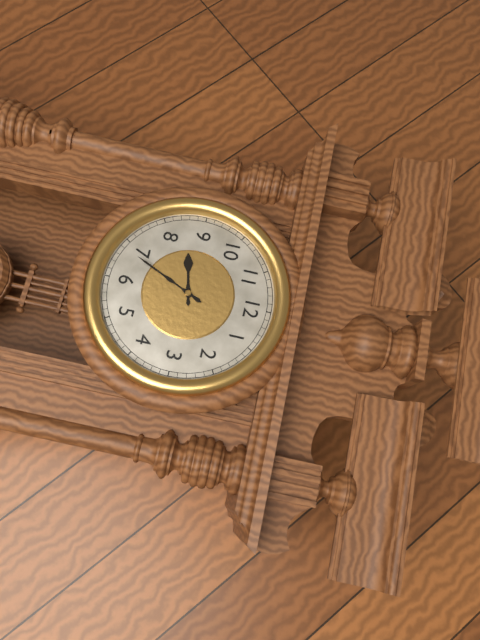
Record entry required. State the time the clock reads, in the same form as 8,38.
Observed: 8,34
